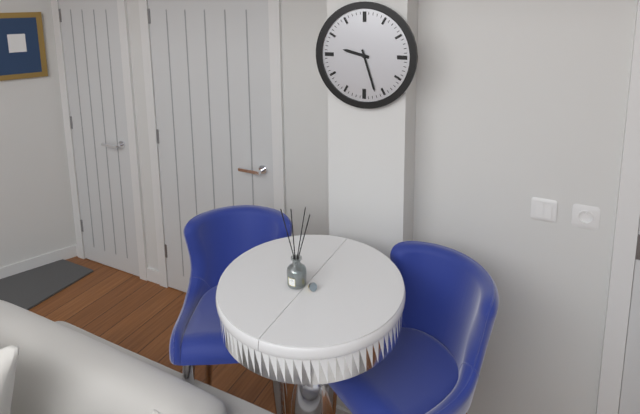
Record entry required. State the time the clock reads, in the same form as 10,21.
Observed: 9,27
